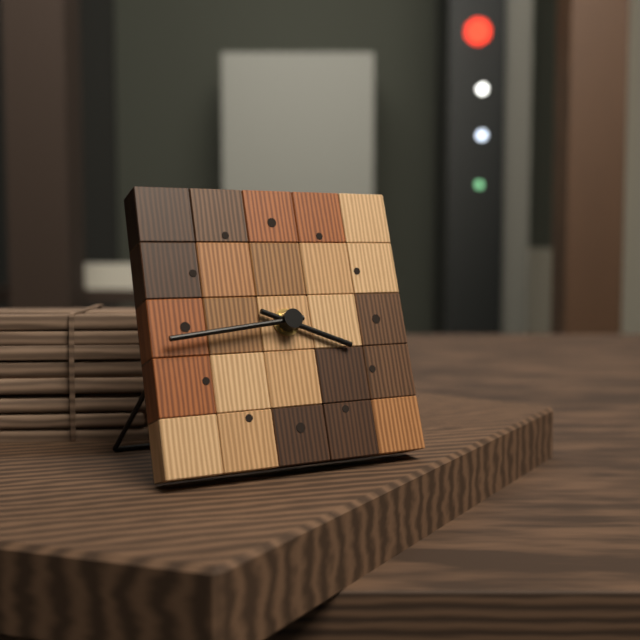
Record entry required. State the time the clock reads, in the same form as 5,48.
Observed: 3,44
